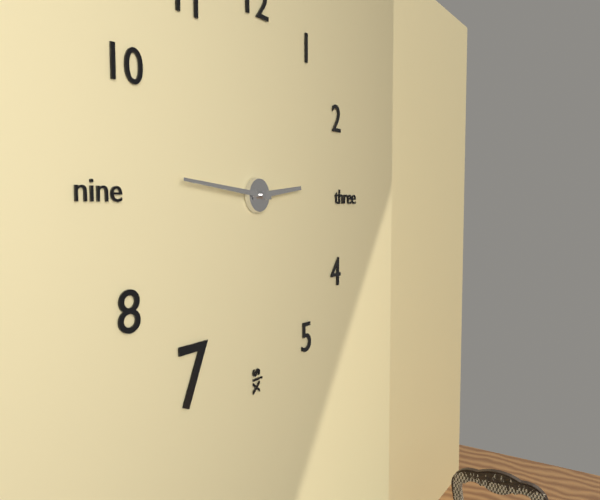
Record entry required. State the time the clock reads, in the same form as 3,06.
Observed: 2,46
